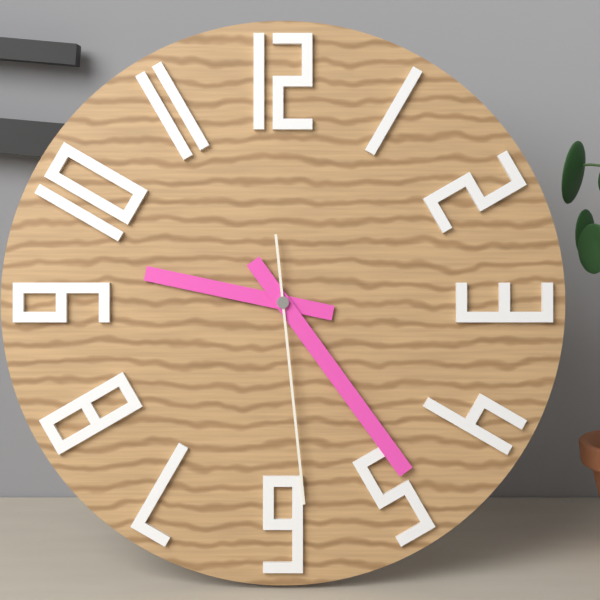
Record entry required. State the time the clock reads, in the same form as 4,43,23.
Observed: 9,24,29
